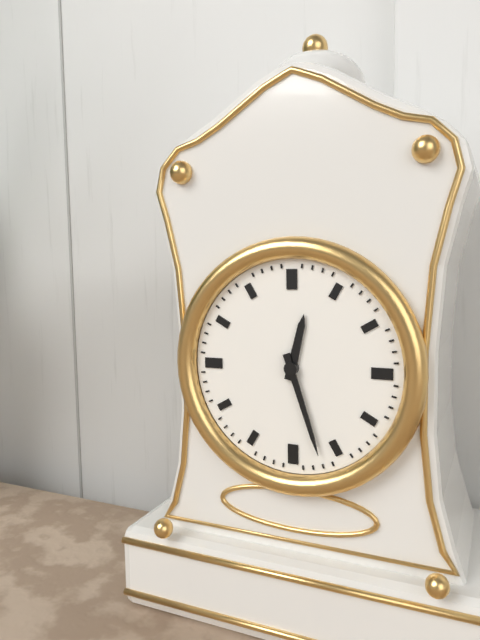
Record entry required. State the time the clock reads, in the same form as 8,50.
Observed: 12,27
